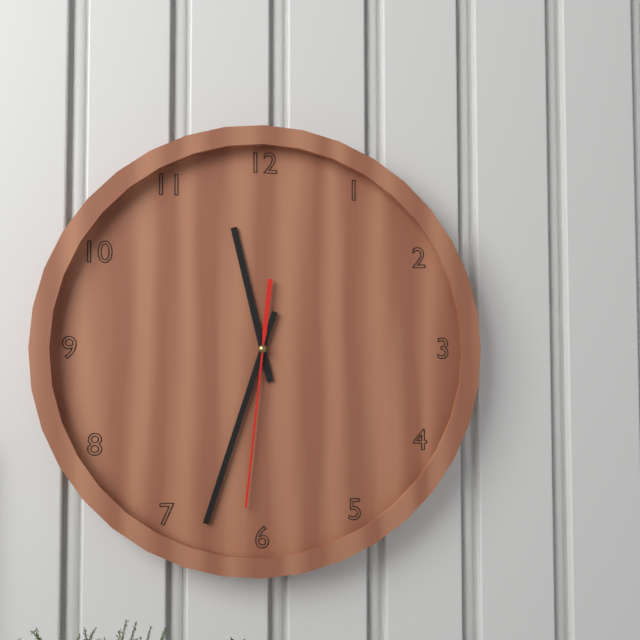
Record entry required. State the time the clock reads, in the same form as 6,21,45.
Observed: 11,33,31
